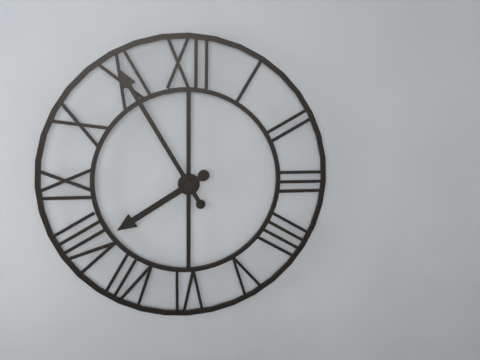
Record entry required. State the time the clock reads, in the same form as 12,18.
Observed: 7,55
